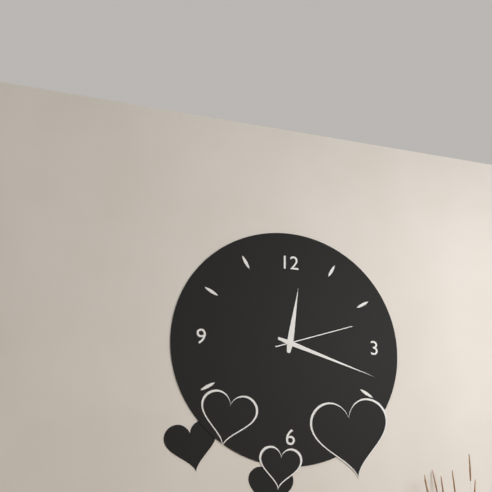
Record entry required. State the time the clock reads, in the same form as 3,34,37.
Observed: 12,18,12
